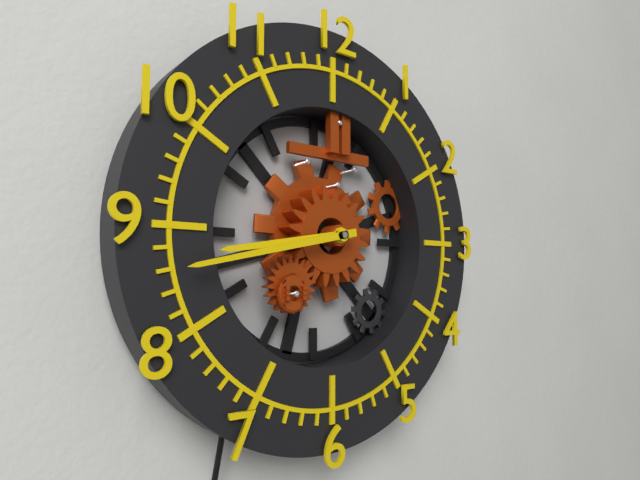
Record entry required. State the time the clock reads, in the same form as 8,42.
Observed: 8,43
